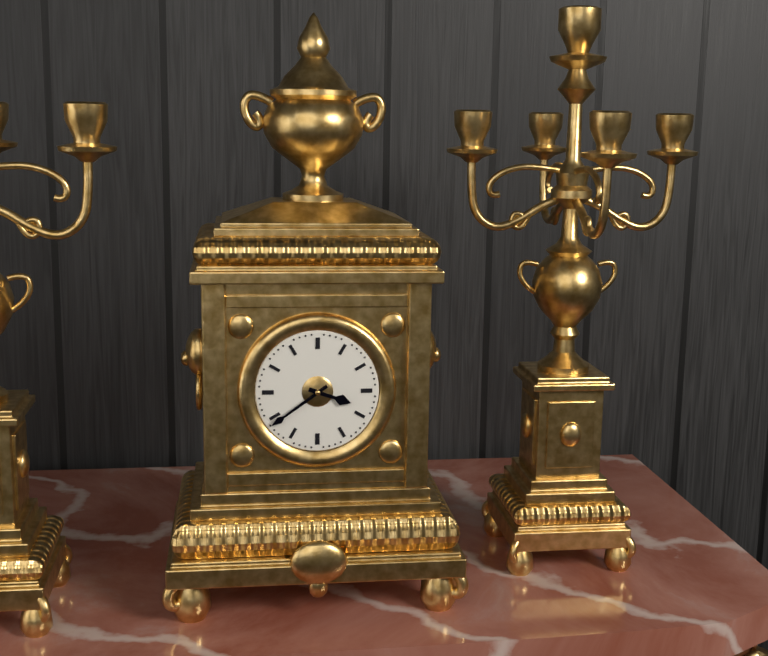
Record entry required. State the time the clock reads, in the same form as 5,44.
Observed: 3,39
